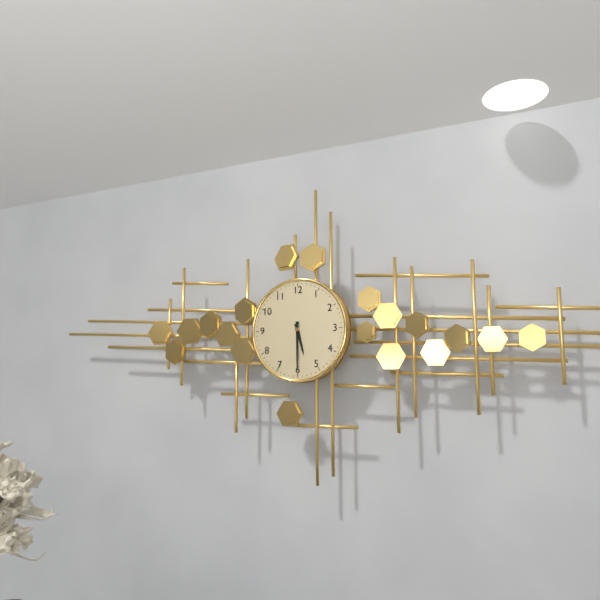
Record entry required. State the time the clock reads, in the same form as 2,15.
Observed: 5,30
